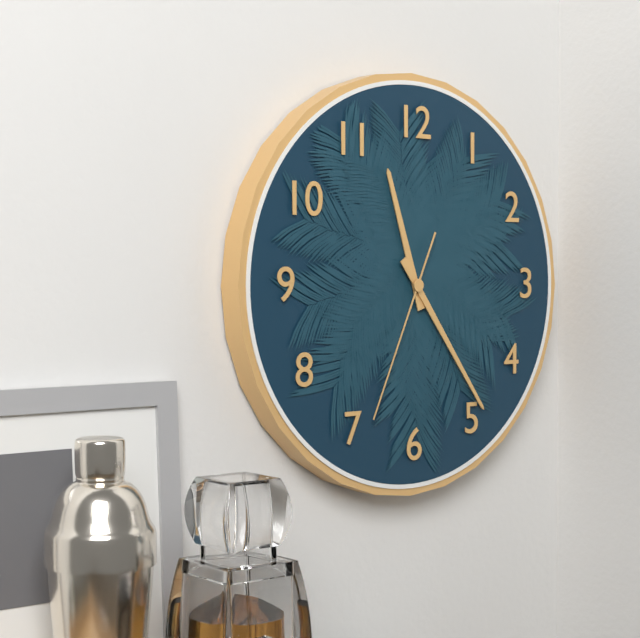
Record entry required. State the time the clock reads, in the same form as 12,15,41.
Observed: 11,24,34
